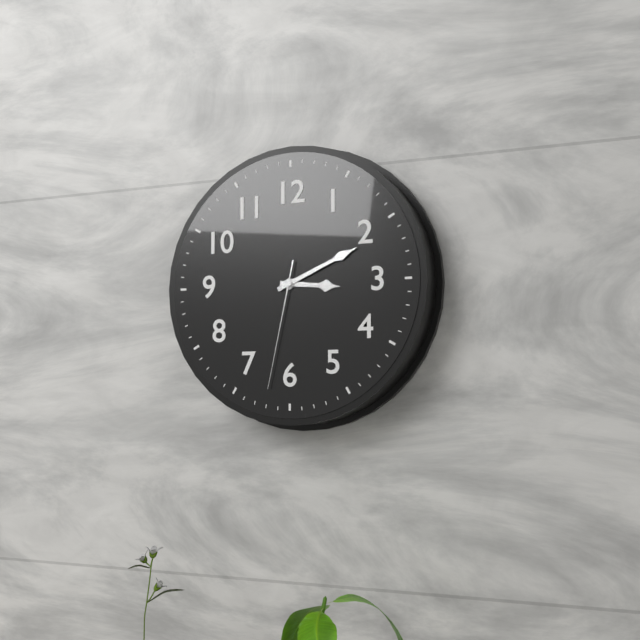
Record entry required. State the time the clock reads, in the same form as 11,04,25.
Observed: 3,11,32
